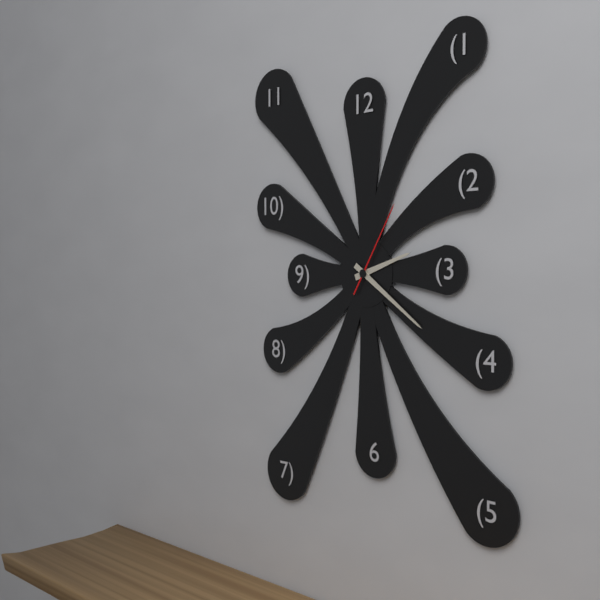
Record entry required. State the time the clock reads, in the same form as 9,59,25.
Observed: 2,21,05
